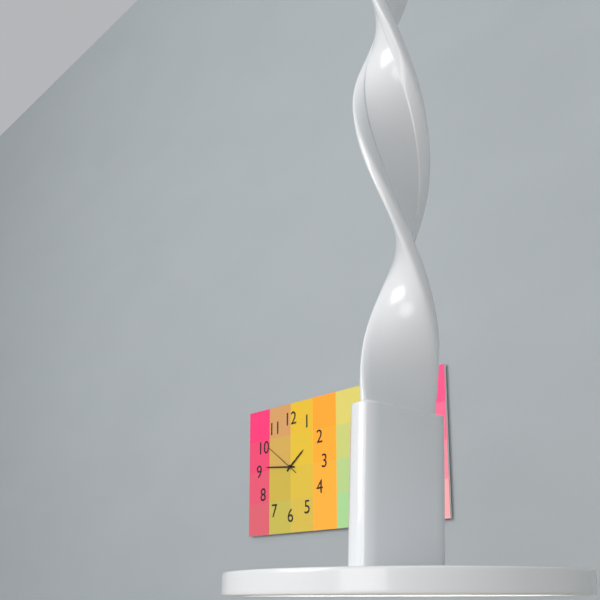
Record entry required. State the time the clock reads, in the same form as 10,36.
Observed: 1,46
